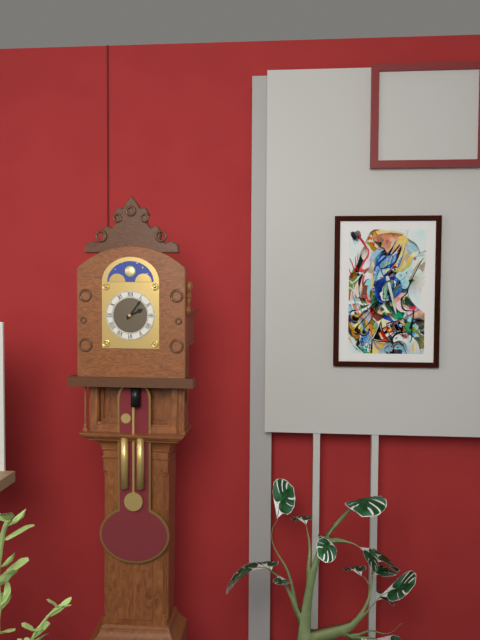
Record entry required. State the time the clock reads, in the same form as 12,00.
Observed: 2,06
